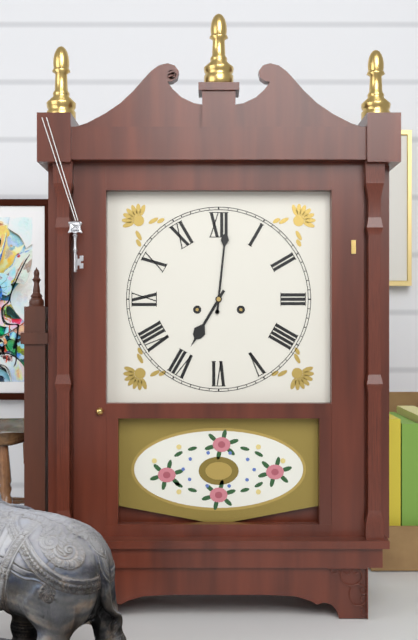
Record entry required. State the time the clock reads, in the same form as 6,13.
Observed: 7,01
